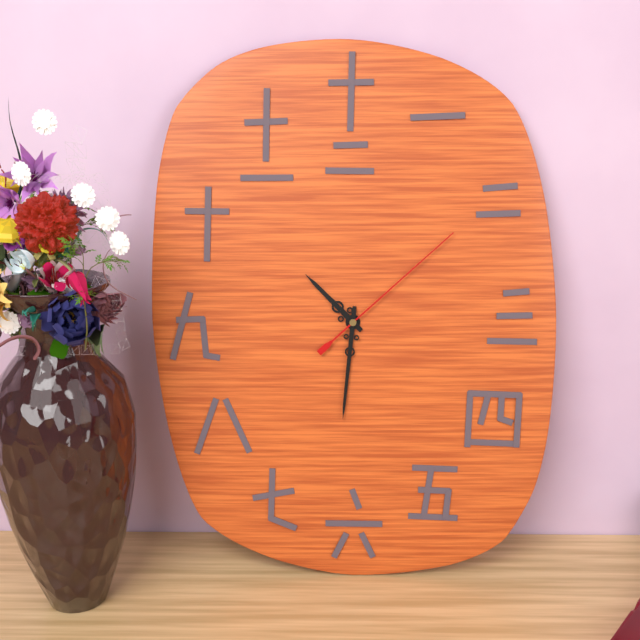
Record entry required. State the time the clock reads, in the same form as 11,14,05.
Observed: 10,31,08
